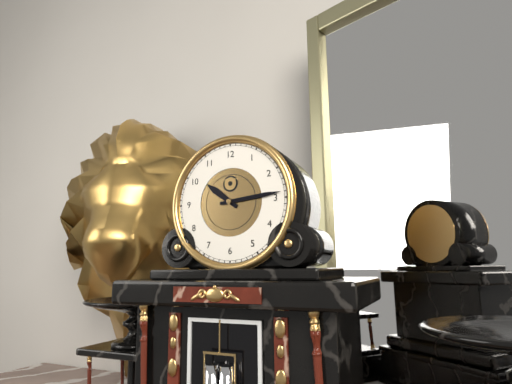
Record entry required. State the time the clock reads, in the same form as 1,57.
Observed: 10,14
